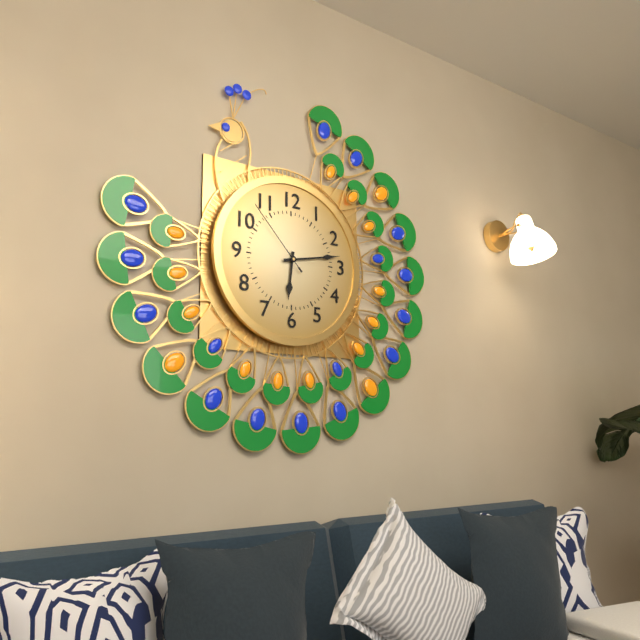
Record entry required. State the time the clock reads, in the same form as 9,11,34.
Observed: 6,13,53
